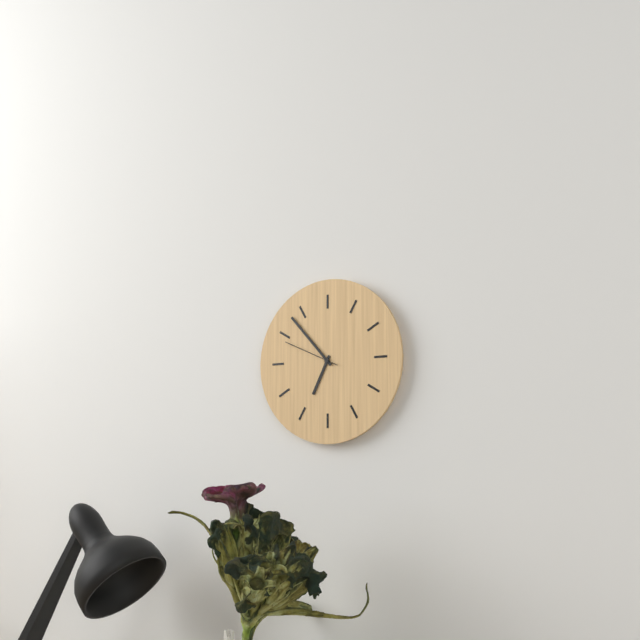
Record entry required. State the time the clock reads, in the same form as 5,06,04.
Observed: 6,53,49
